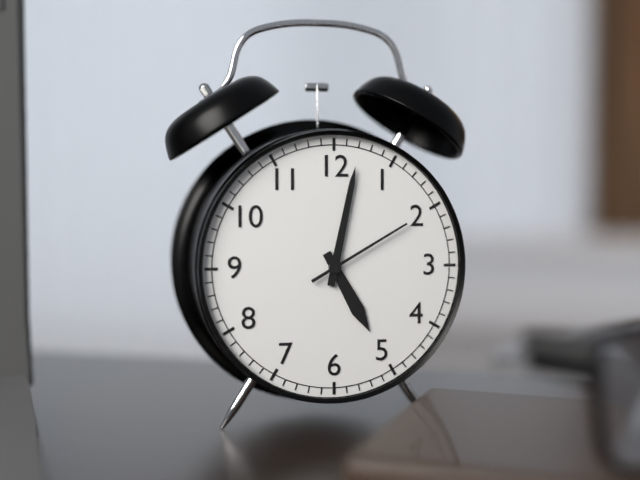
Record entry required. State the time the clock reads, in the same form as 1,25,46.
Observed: 5,02,10
